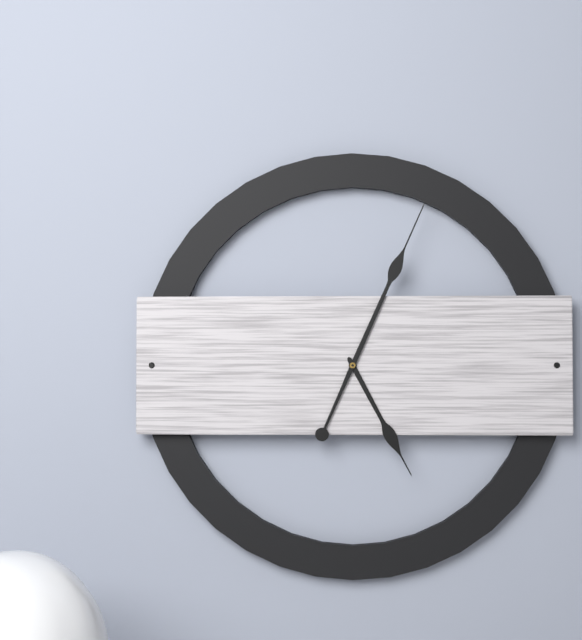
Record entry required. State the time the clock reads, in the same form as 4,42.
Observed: 5,04
